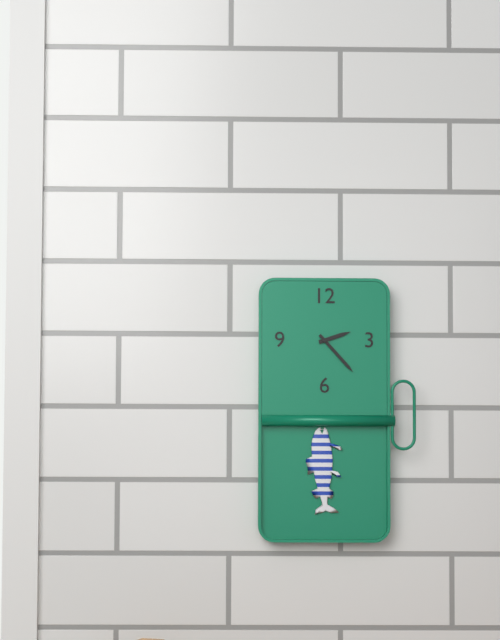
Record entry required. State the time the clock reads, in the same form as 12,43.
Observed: 2,23
